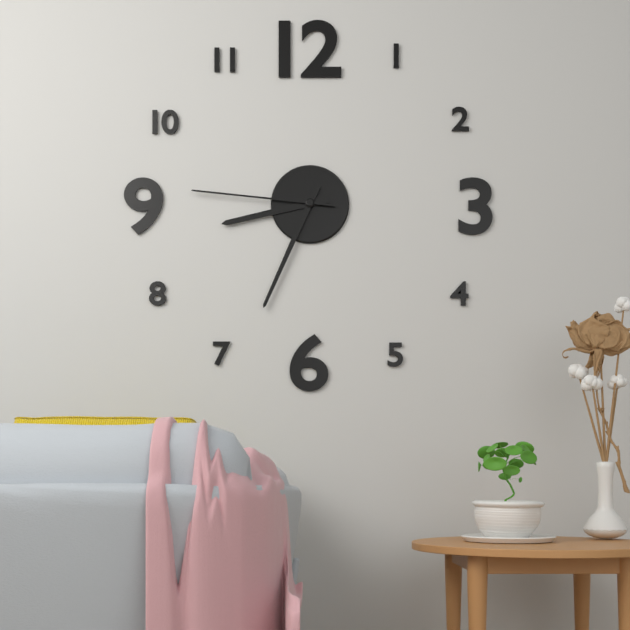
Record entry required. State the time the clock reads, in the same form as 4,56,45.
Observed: 8,34,46
